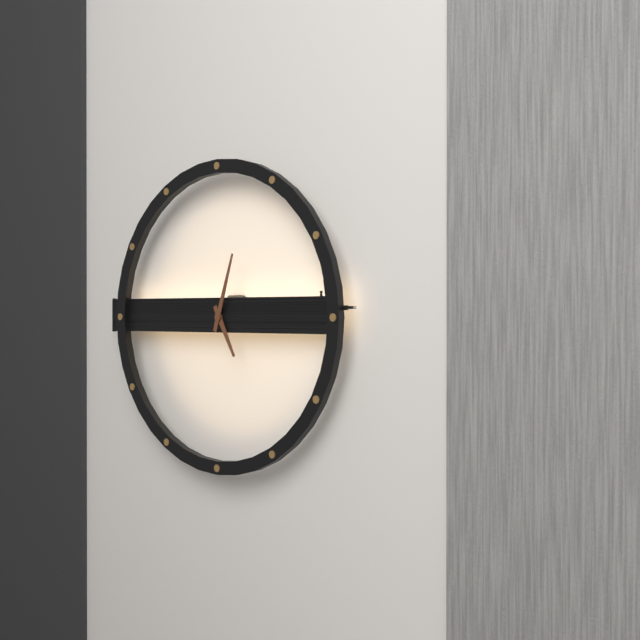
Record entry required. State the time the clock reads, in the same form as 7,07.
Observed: 5,03
